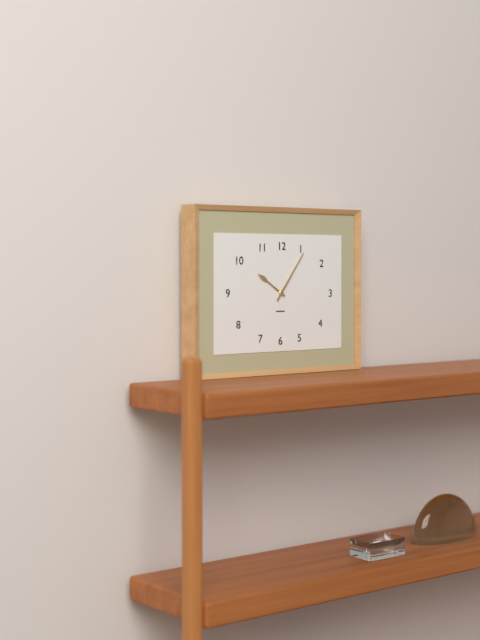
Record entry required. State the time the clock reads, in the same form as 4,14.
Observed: 10,06
